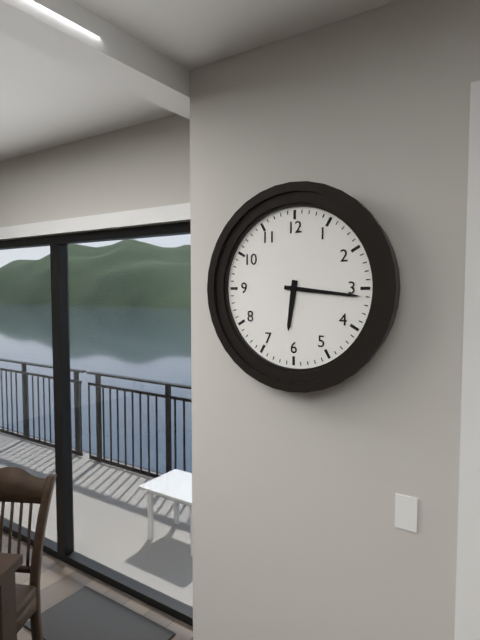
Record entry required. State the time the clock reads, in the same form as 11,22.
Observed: 6,16
